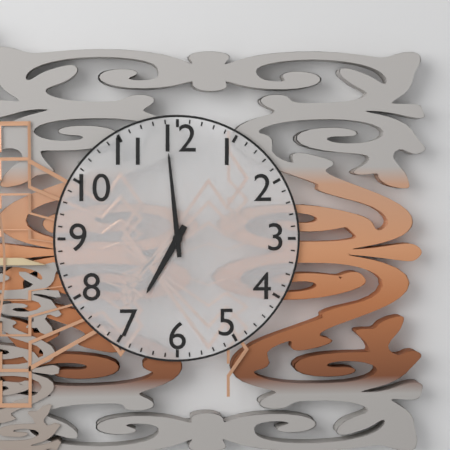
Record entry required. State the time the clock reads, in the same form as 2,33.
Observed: 6,59
